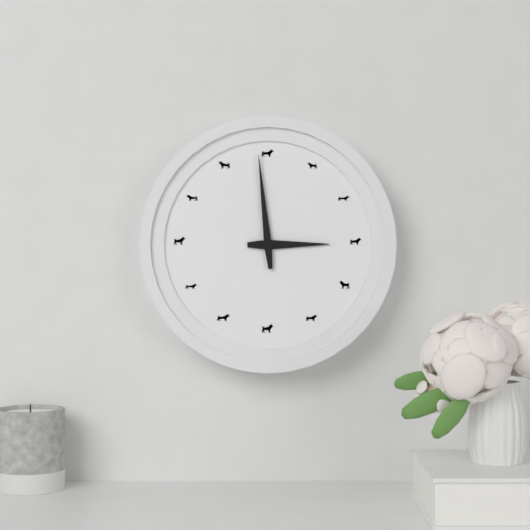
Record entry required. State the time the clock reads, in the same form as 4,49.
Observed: 2,59
